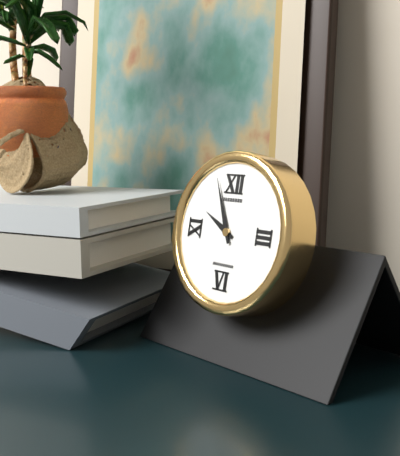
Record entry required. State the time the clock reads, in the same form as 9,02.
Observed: 9,56
